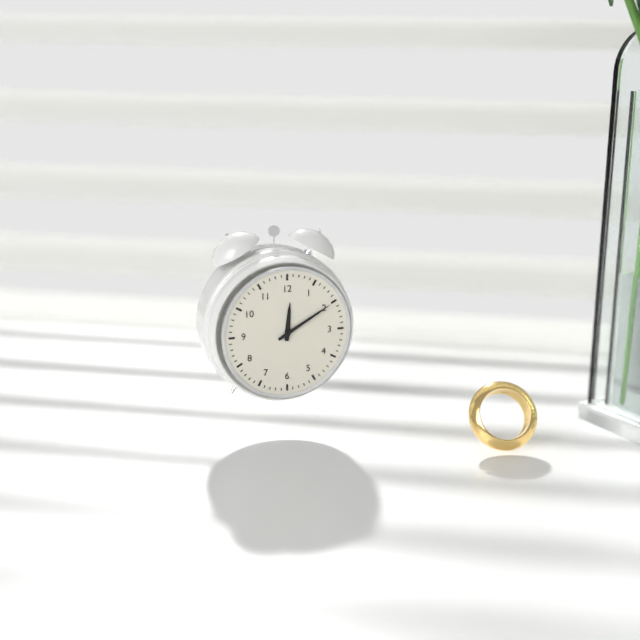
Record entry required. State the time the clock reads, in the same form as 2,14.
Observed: 12,10
